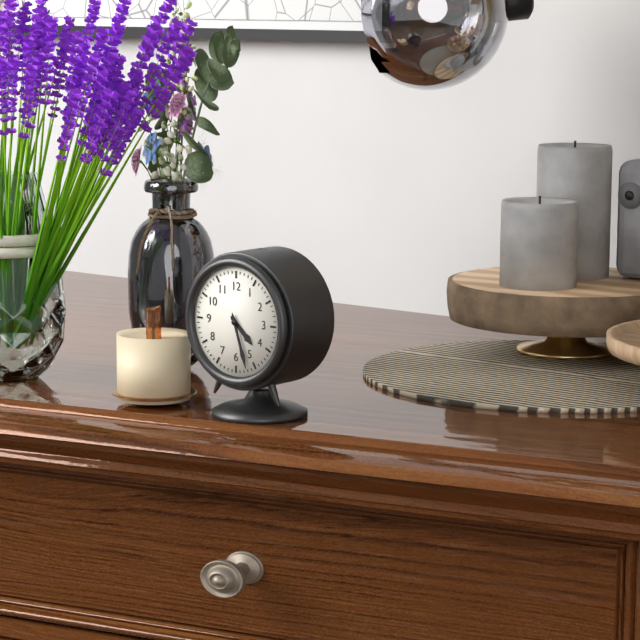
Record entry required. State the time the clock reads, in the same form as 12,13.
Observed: 4,27
